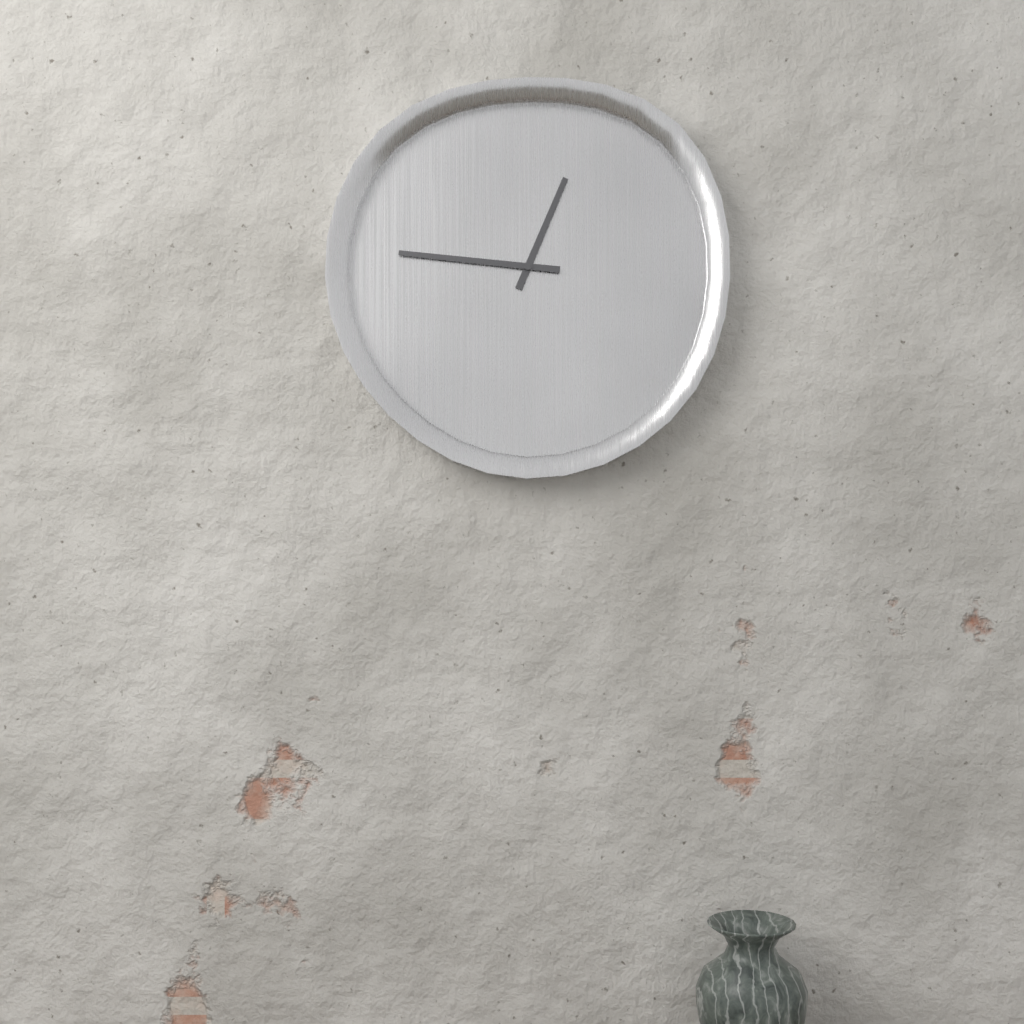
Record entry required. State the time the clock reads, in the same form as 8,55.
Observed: 12,46
